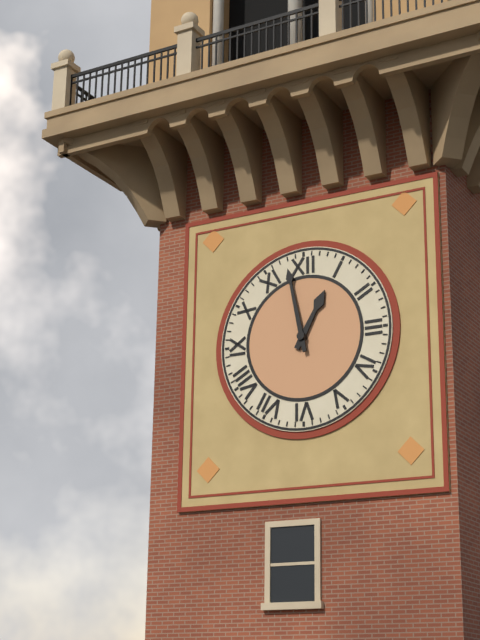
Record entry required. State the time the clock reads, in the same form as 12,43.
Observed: 12,58
